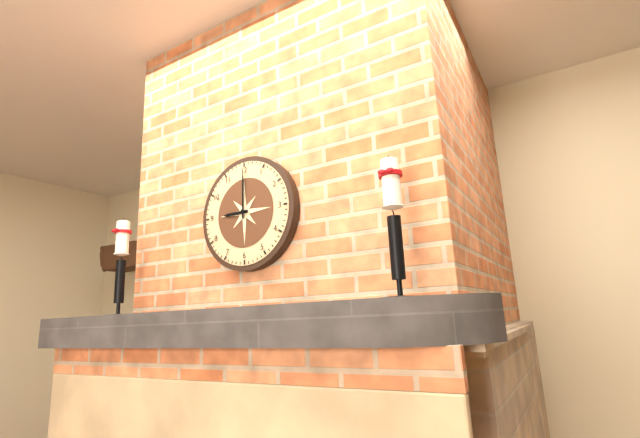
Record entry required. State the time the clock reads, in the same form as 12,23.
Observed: 9,00
